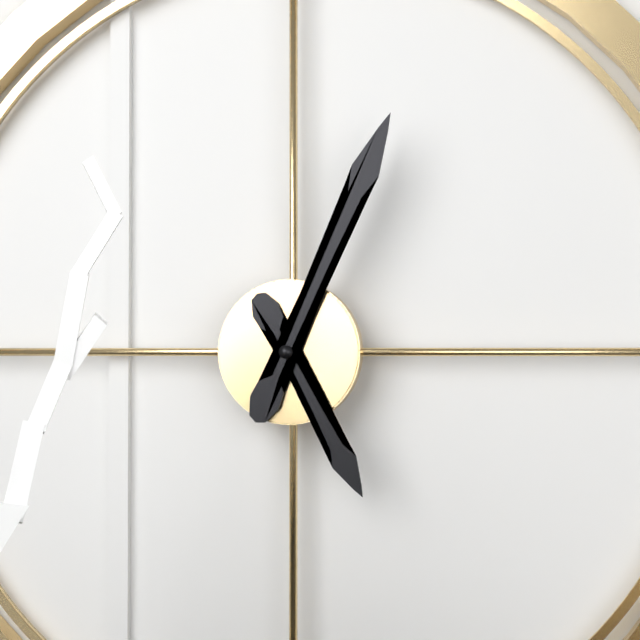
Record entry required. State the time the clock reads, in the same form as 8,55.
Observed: 5,04
